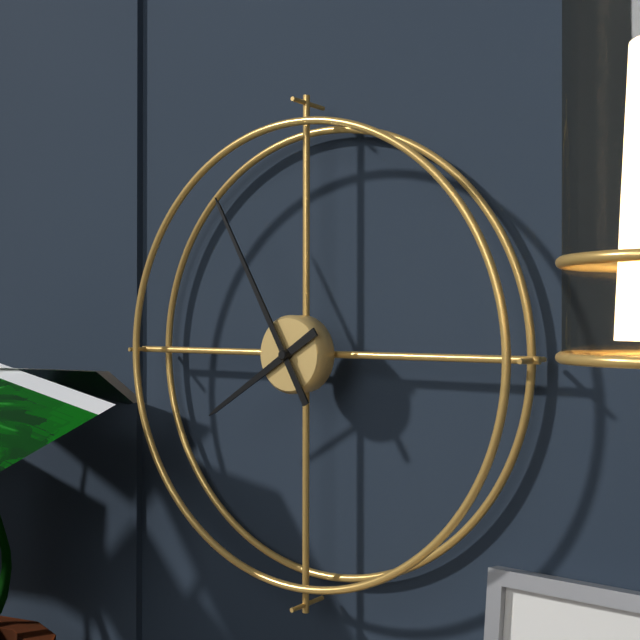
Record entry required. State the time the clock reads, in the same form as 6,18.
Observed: 7,55
